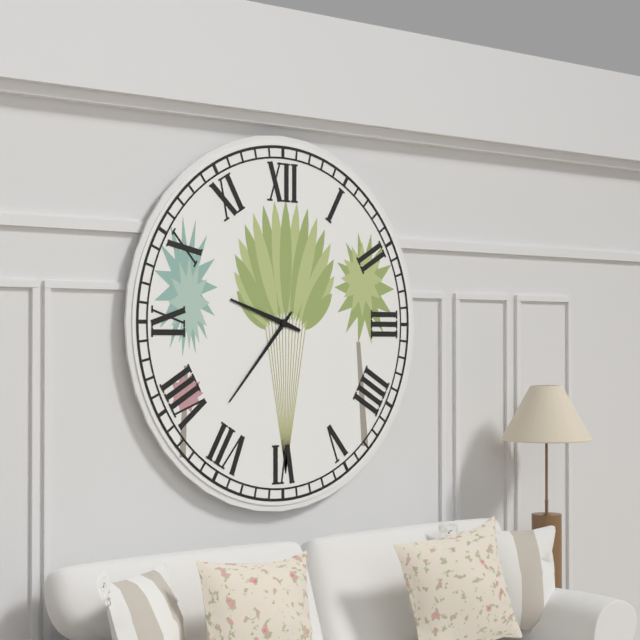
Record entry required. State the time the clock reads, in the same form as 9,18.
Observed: 9,37
